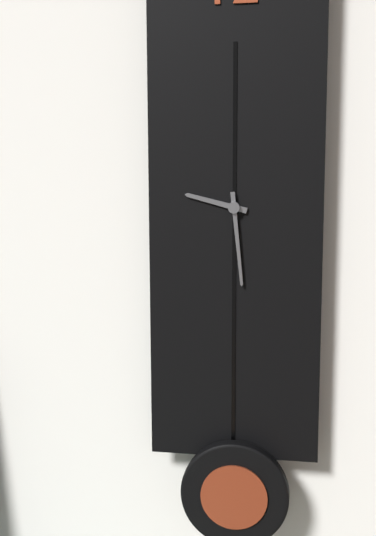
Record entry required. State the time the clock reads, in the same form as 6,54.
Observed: 9,29
